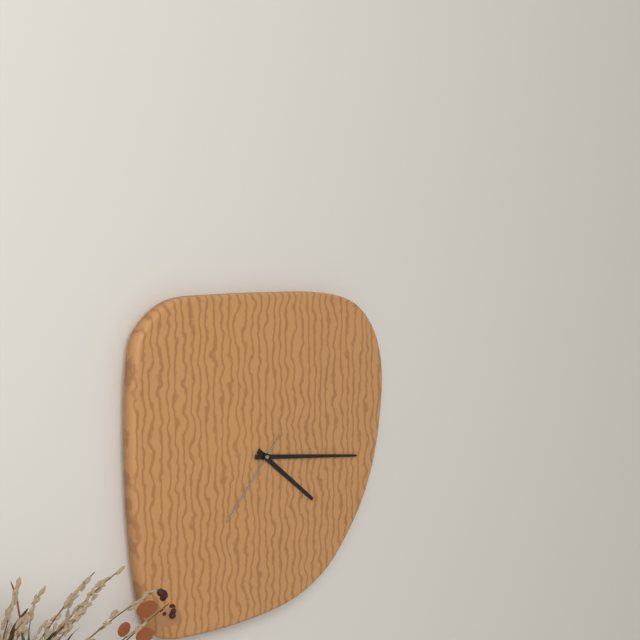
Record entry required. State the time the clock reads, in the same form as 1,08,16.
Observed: 4,16,37
